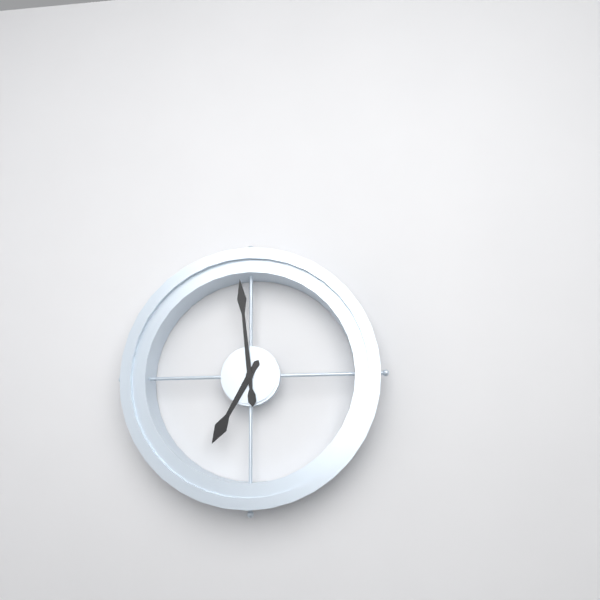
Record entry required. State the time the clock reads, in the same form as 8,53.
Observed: 6,59
